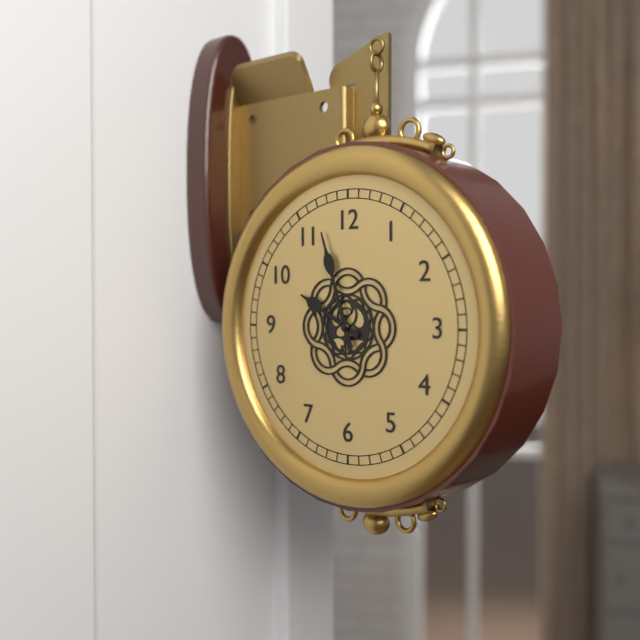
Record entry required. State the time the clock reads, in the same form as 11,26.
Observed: 9,57
